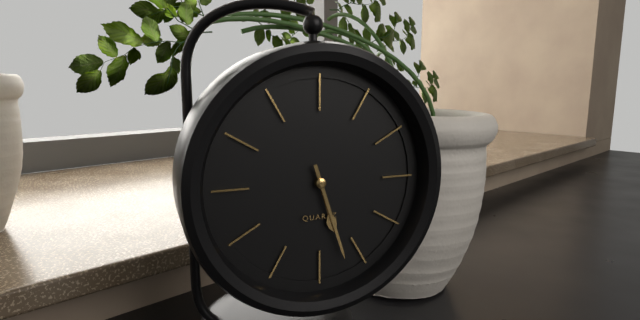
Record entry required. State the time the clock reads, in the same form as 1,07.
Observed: 5,27
